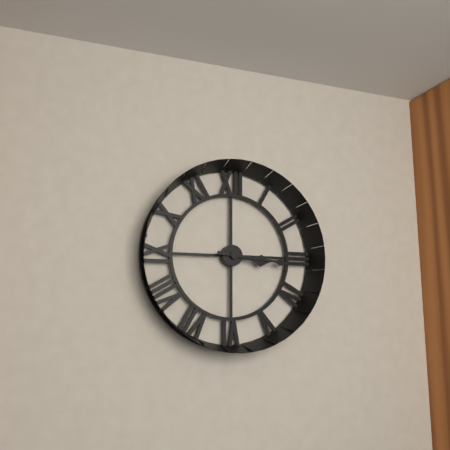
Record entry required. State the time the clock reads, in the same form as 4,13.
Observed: 3,16
